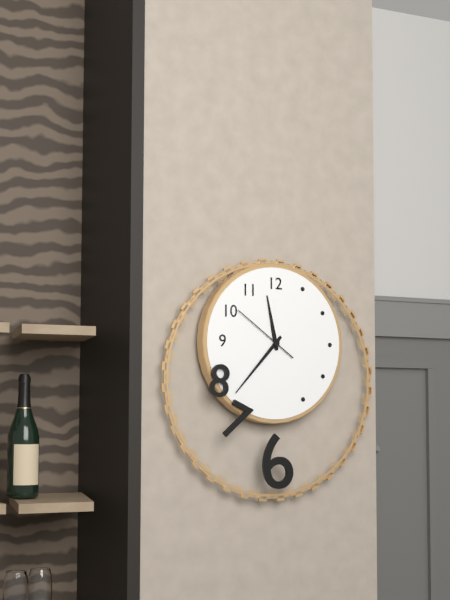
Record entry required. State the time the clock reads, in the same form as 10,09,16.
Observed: 11,37,51
